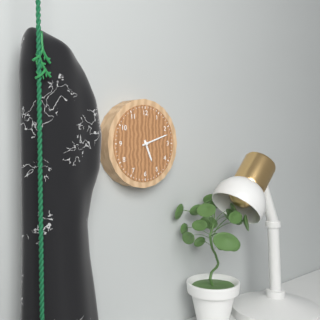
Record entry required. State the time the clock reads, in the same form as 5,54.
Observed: 5,12
